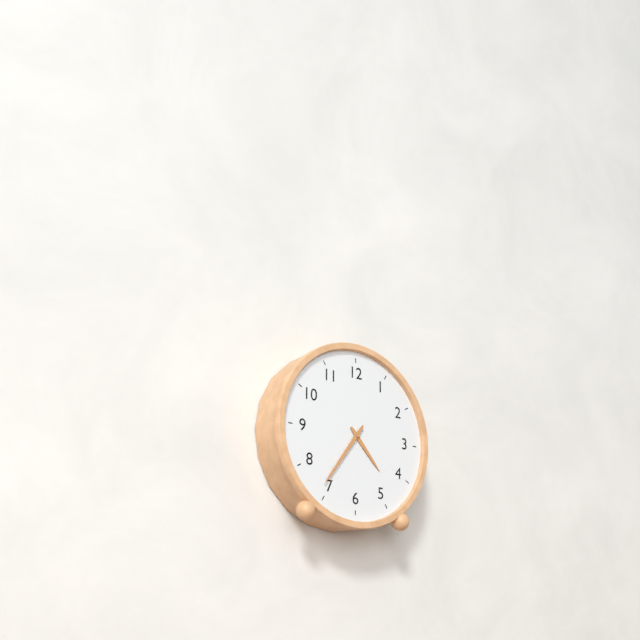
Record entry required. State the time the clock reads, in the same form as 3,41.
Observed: 4,36
